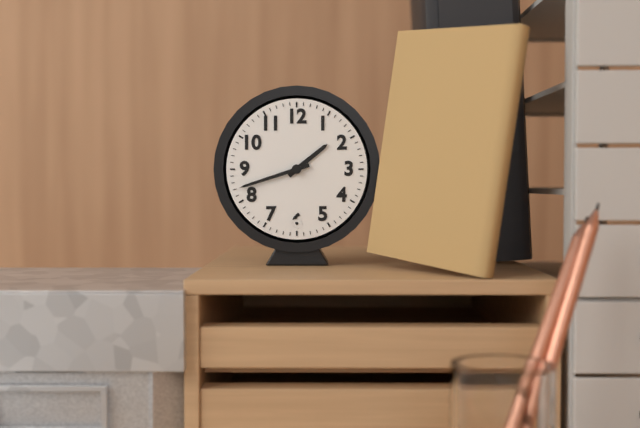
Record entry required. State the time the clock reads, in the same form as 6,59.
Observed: 1,42
